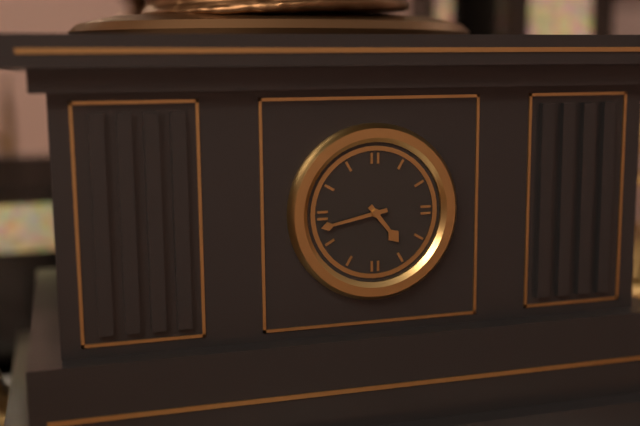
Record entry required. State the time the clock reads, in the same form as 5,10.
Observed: 4,43
